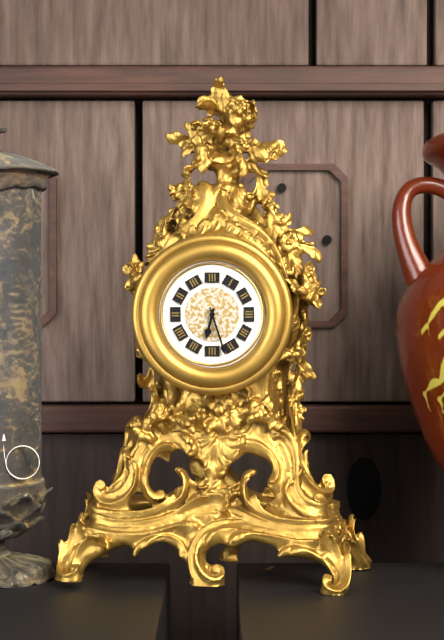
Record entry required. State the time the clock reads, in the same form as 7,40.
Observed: 6,27
